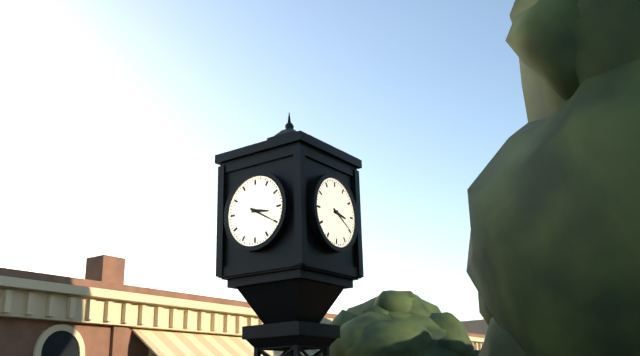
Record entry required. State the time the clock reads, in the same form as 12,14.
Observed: 3,20
